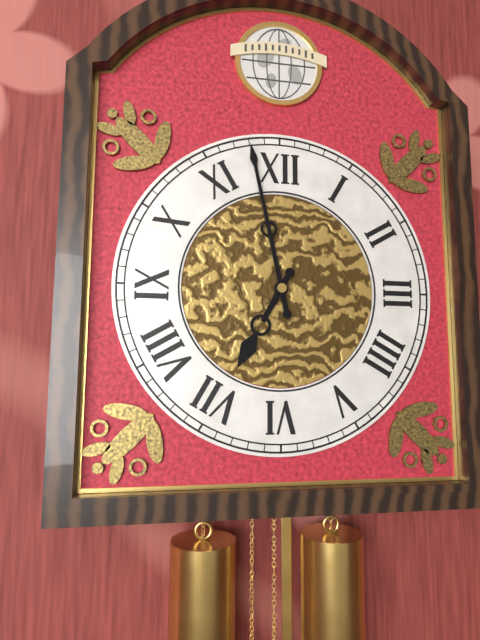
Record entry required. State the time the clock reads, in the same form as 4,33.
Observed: 6,58
